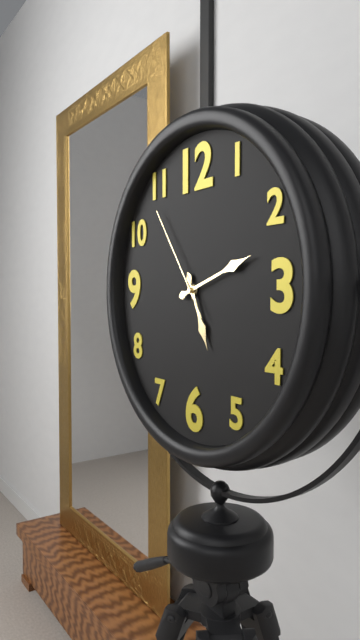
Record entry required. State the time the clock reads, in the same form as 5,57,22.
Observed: 5,12,54
